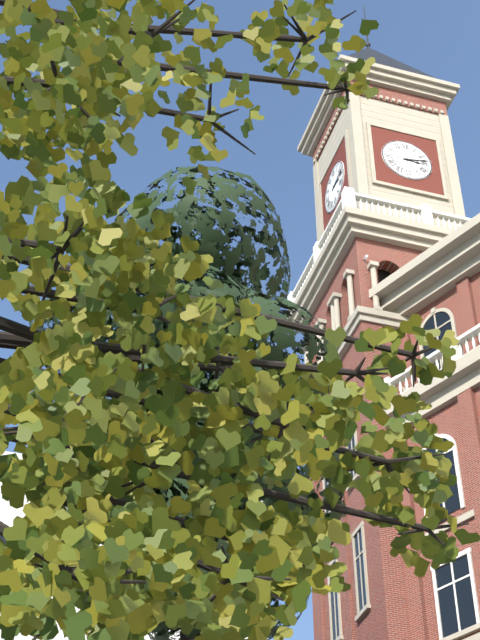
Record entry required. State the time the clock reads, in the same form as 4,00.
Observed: 3,13
